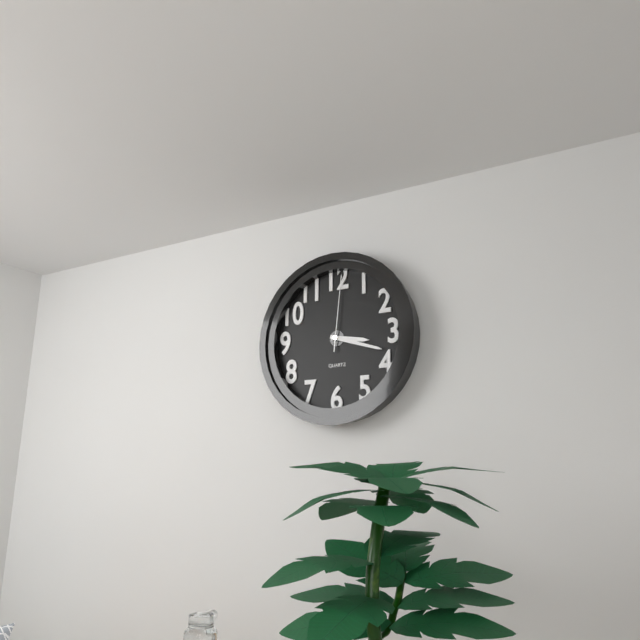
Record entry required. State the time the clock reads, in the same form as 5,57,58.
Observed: 3,18,01
